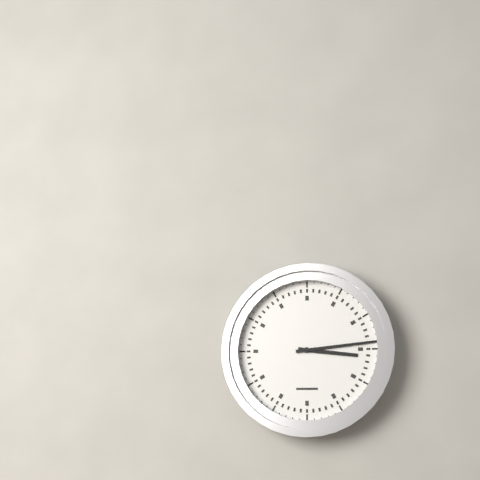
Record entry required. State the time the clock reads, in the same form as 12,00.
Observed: 3,14
